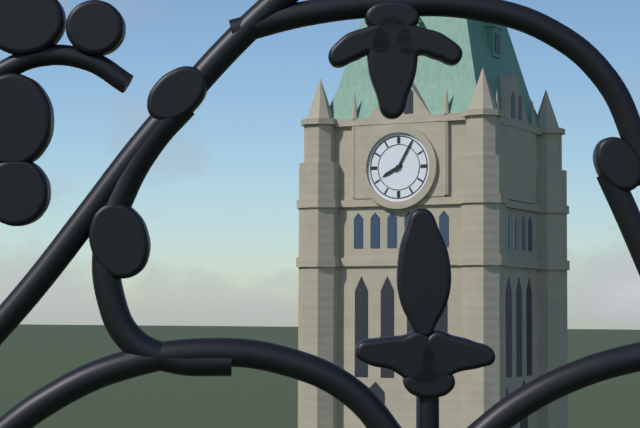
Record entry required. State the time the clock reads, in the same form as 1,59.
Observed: 8,05
